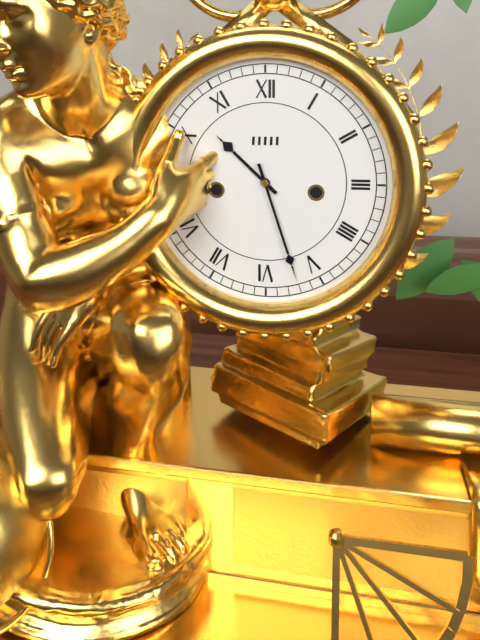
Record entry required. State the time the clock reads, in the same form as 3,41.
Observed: 10,27
